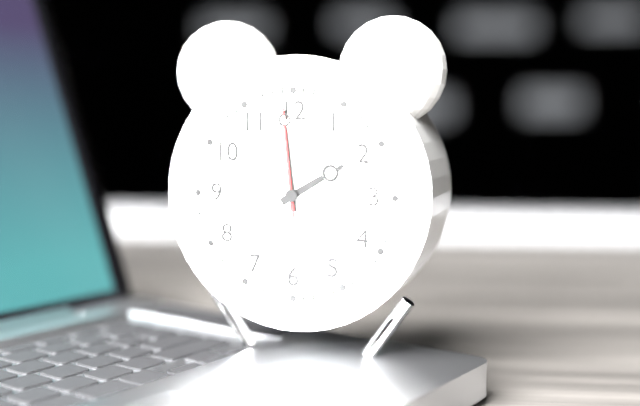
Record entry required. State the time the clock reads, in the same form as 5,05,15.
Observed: 1,59,59
